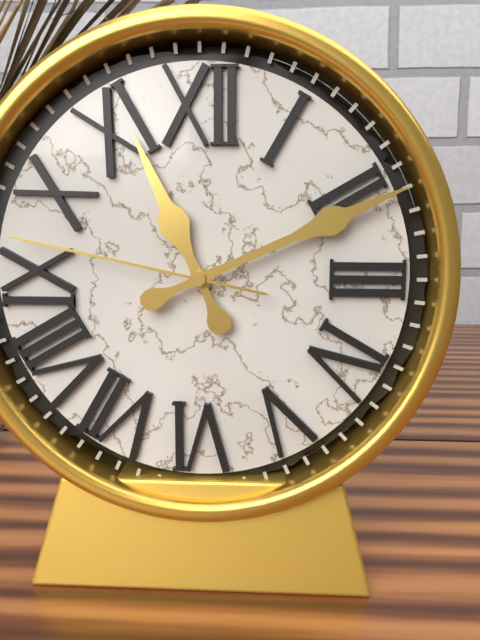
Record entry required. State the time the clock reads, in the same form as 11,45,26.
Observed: 11,11,47
